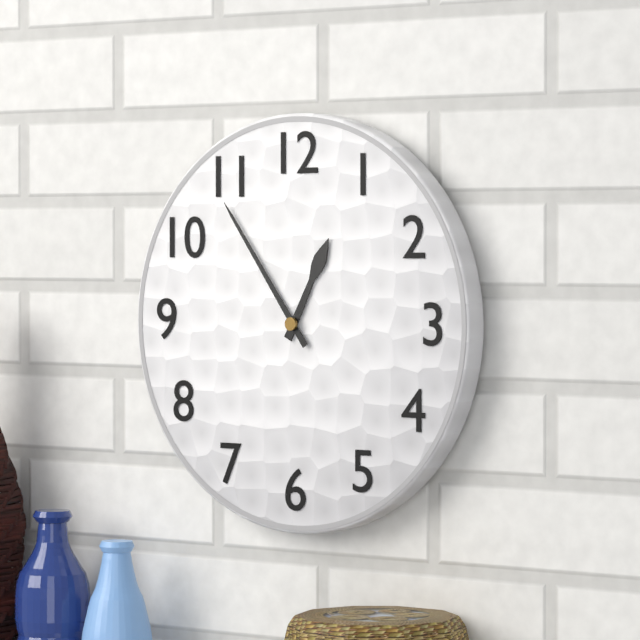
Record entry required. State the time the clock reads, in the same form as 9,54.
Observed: 12,54
